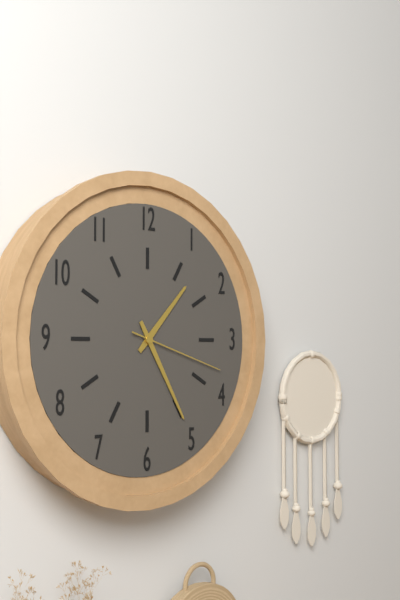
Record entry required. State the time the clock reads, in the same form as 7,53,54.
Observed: 1,25,18
